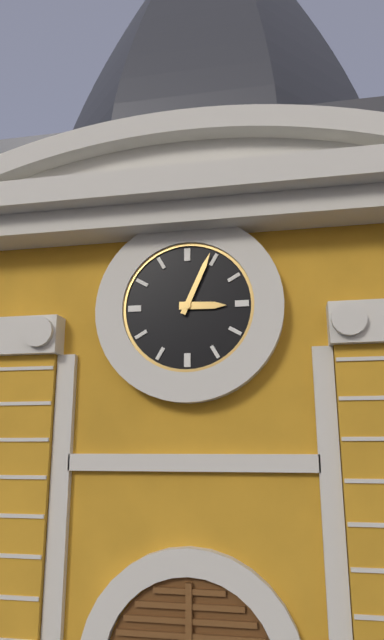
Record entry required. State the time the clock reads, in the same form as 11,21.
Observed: 3,04
